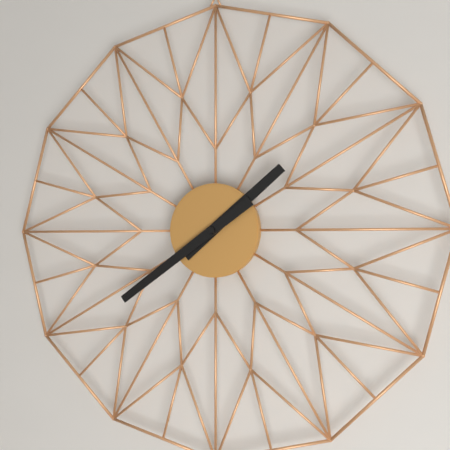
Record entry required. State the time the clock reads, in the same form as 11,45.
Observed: 1,39
